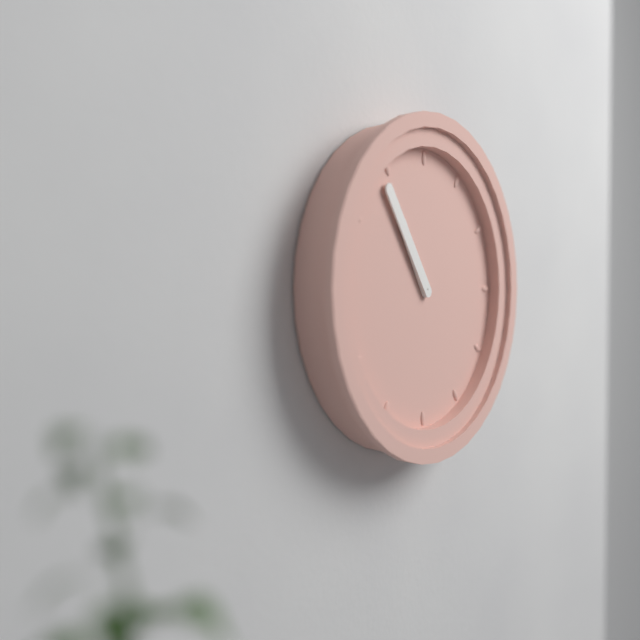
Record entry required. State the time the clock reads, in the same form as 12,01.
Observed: 10,54
